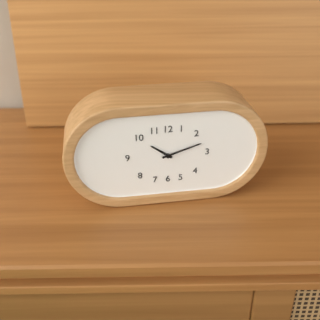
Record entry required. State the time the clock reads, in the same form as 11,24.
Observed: 10,12
